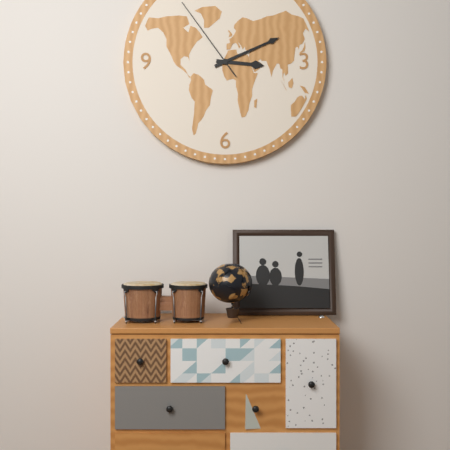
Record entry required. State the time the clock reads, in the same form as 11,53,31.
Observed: 3,11,54
